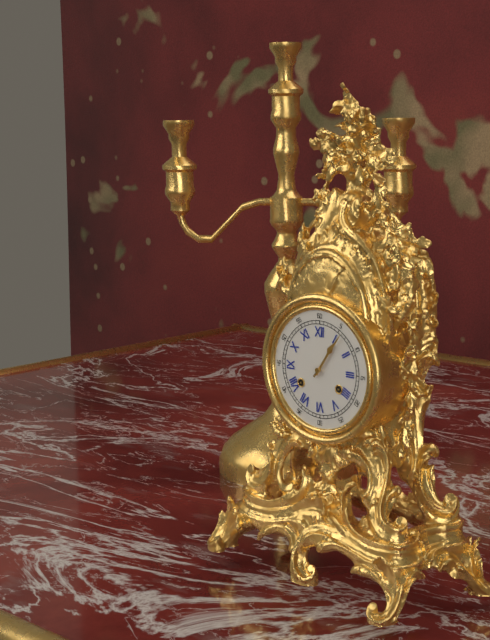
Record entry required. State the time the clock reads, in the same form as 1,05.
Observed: 1,06
